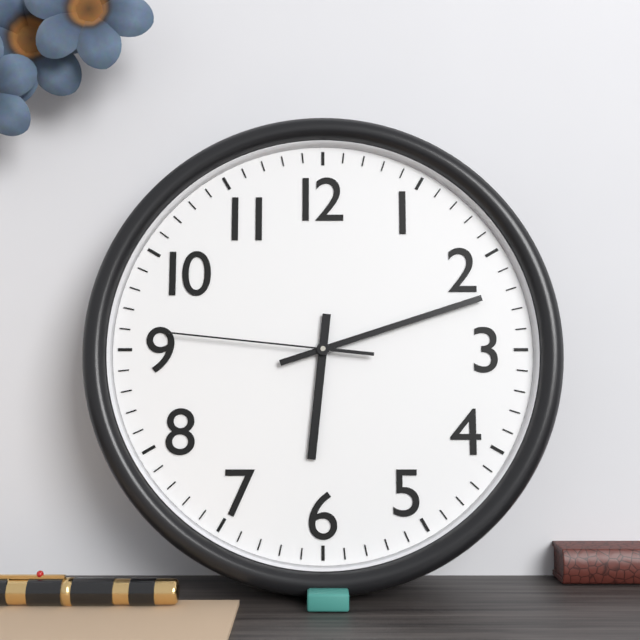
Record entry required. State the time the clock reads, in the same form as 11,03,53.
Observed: 6,12,46
